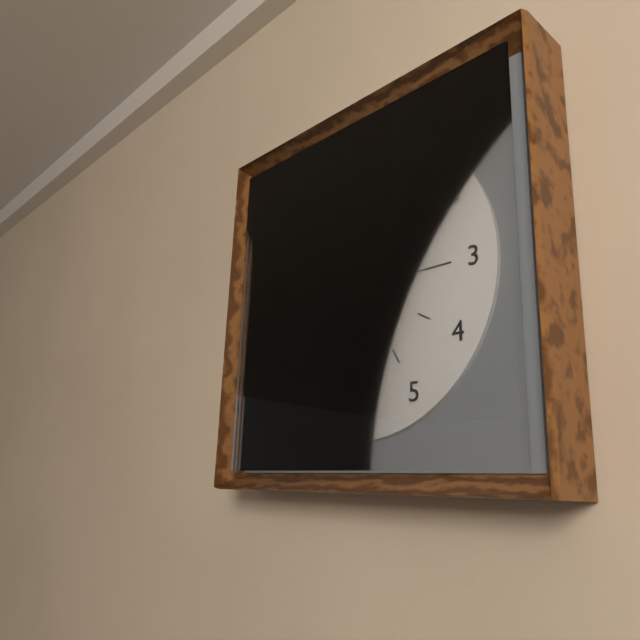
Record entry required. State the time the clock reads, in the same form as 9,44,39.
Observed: 11,04,00
